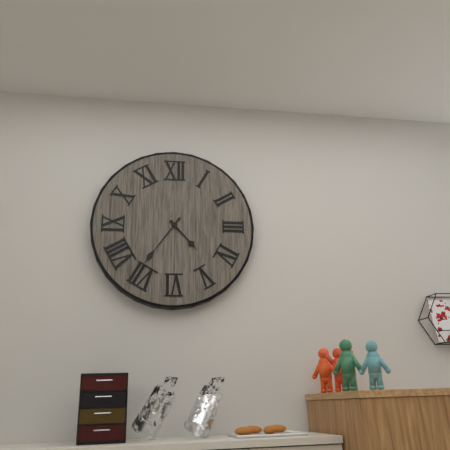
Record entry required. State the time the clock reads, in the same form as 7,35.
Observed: 4,36
